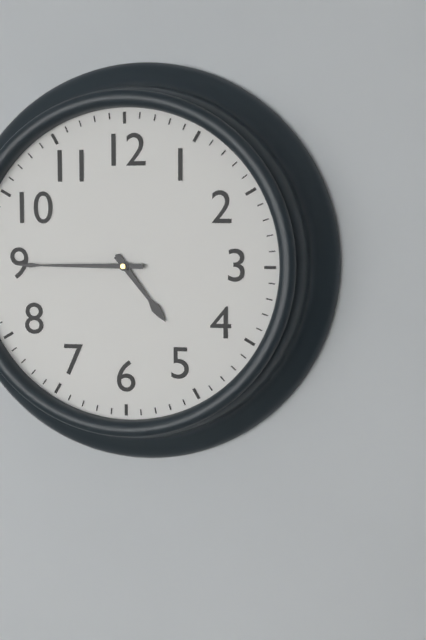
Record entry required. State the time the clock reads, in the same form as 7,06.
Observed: 4,45
